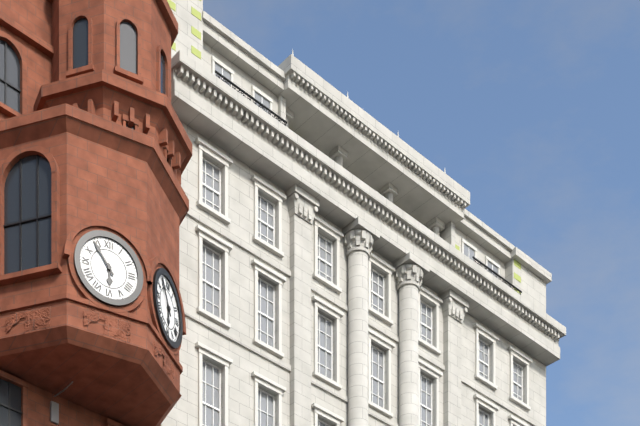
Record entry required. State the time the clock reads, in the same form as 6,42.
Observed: 5,54
